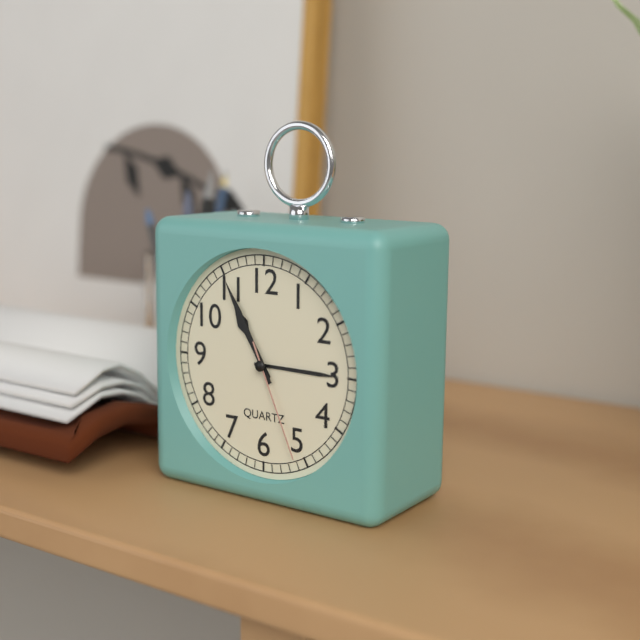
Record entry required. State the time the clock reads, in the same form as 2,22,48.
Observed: 10,55,26
